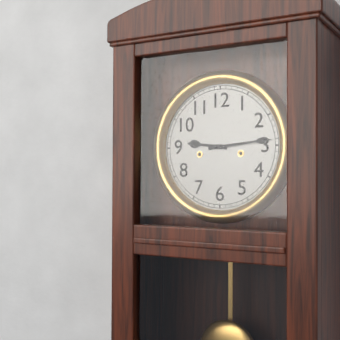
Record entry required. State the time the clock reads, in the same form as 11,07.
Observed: 9,14
